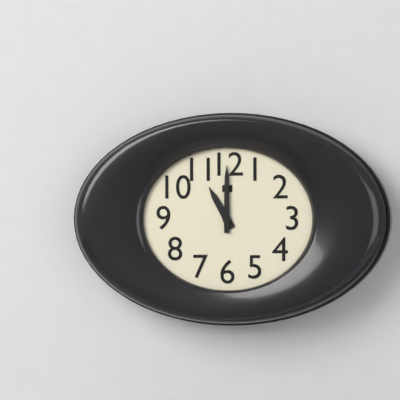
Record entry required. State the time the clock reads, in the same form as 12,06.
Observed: 11,00
